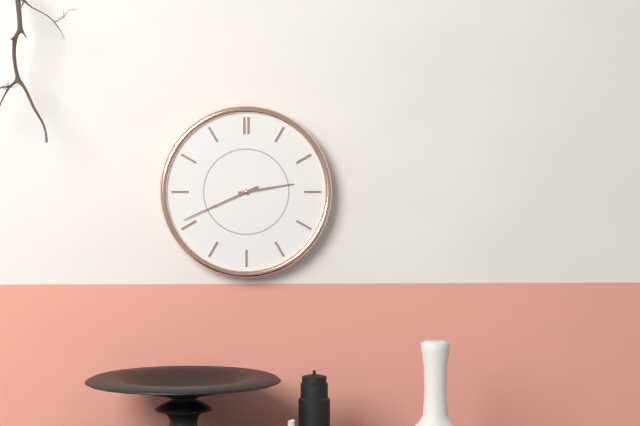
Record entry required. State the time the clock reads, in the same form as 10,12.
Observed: 2,41
